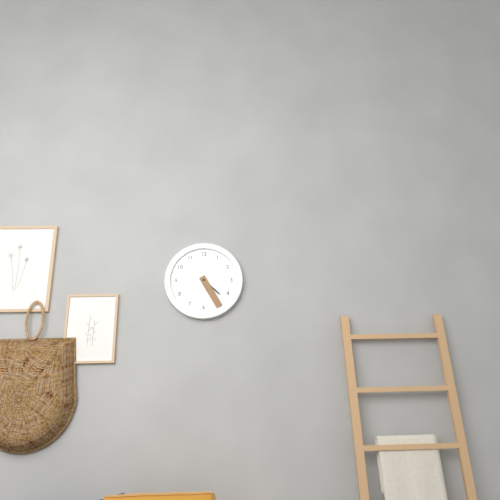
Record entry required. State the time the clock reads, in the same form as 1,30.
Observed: 4,25
